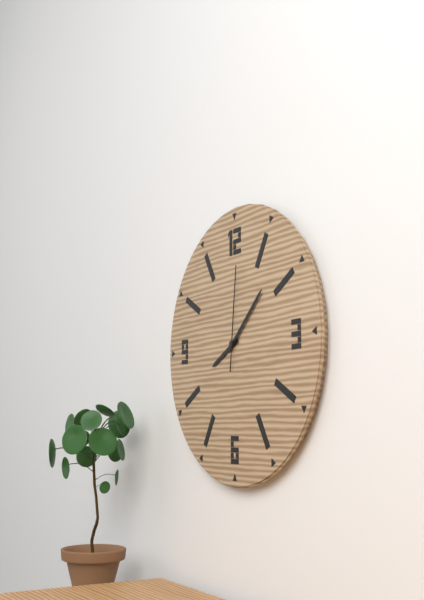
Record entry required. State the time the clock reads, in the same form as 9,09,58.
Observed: 8,08,01
